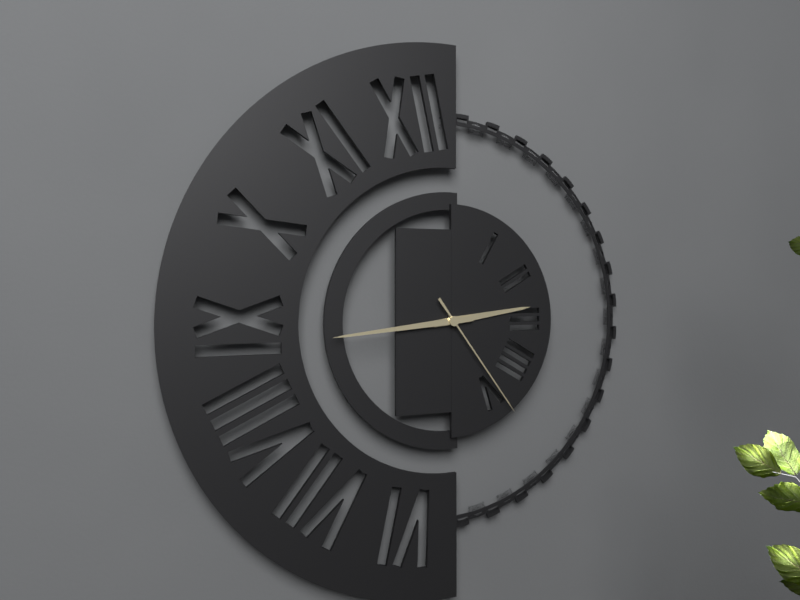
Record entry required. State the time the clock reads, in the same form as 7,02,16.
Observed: 2,44,24
